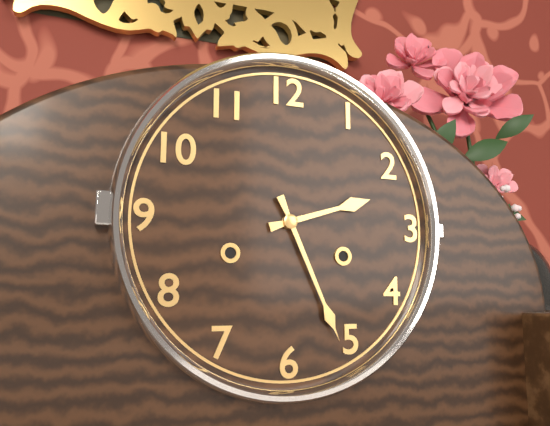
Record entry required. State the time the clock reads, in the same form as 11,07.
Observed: 2,26
